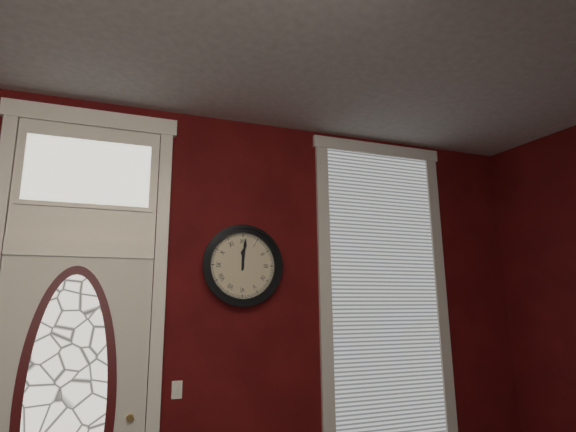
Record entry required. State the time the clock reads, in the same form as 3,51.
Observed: 12,01
